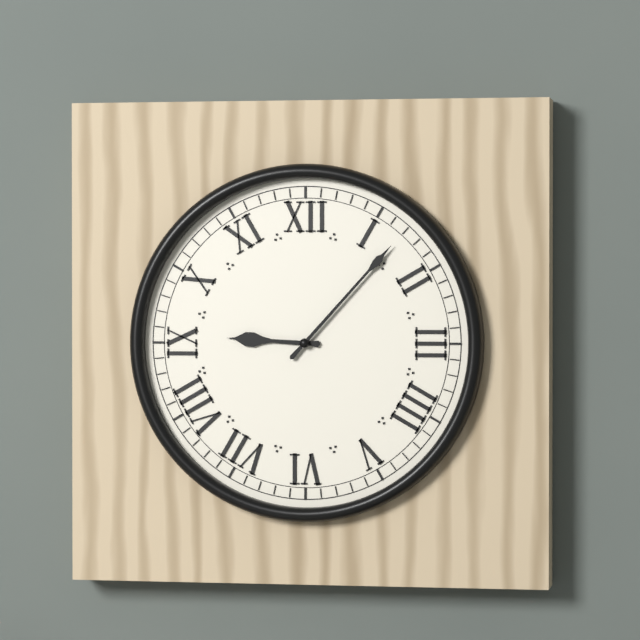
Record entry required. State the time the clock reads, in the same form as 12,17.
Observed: 9,07
